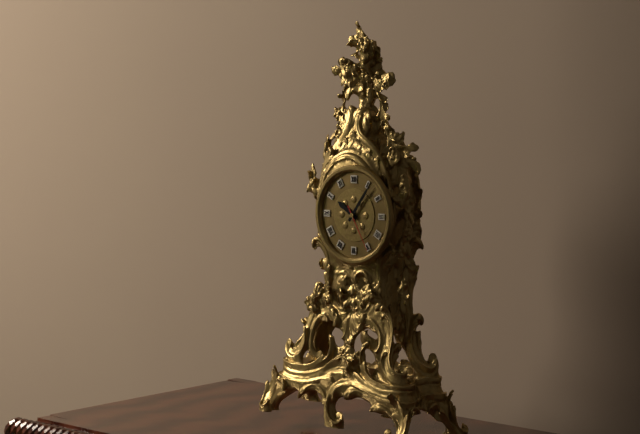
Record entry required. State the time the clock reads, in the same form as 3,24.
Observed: 10,06
